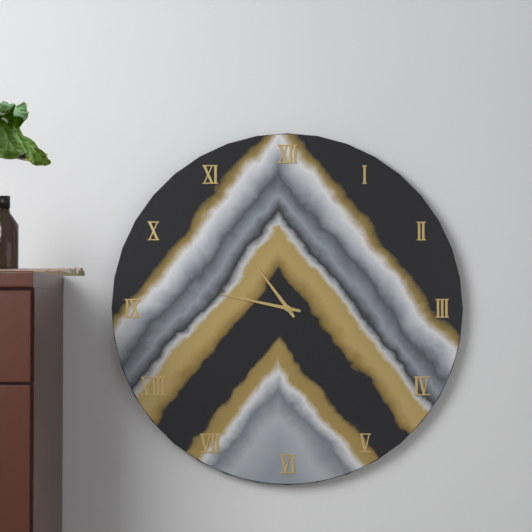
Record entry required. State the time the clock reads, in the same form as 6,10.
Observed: 10,47
